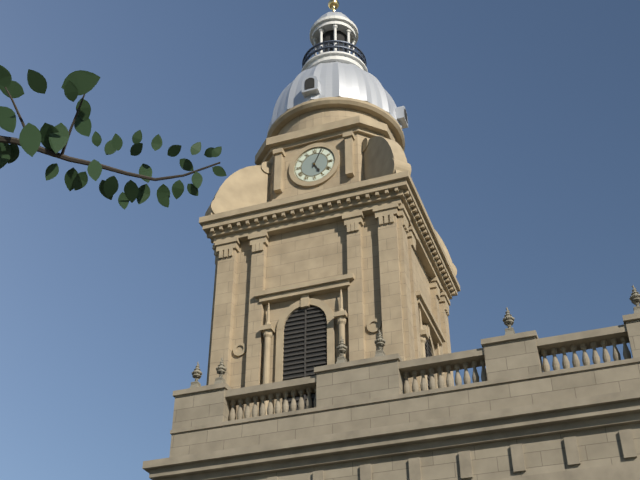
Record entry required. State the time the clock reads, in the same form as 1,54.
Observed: 5,04
